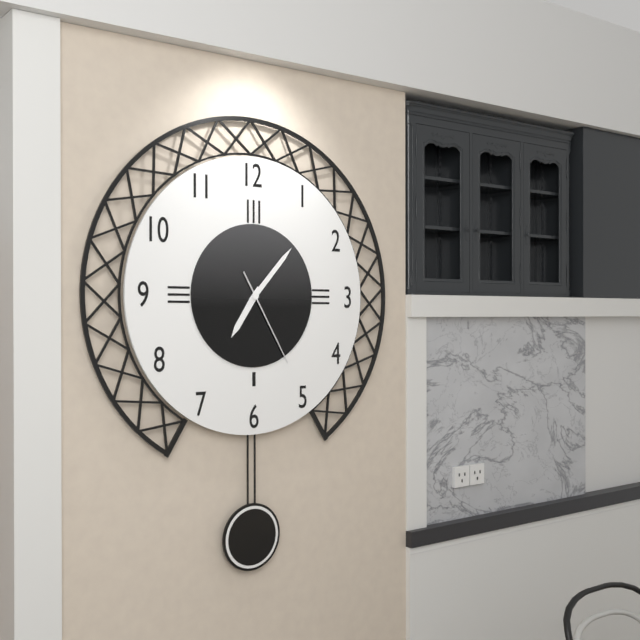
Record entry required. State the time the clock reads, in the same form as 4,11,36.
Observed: 7,07,25
